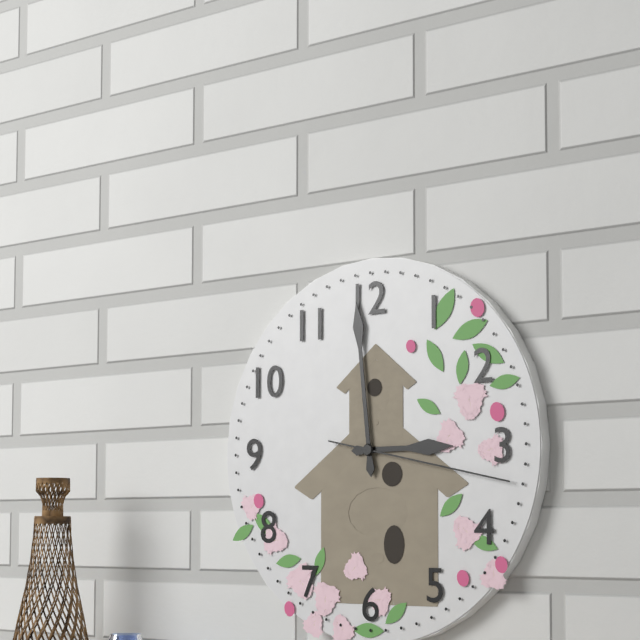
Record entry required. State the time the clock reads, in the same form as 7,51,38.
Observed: 2,59,17
